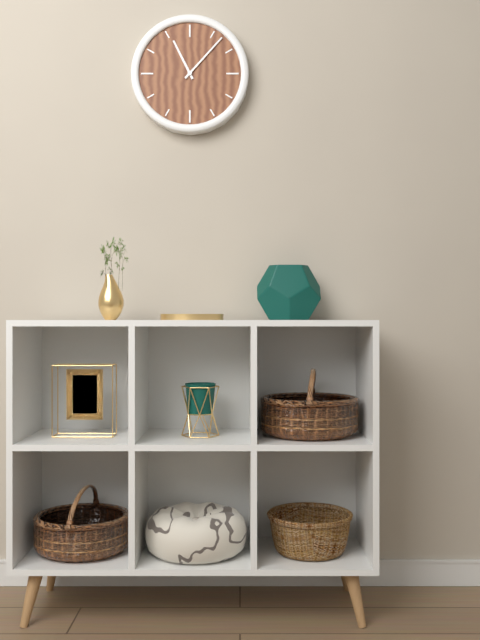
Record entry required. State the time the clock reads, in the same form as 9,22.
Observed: 11,07
